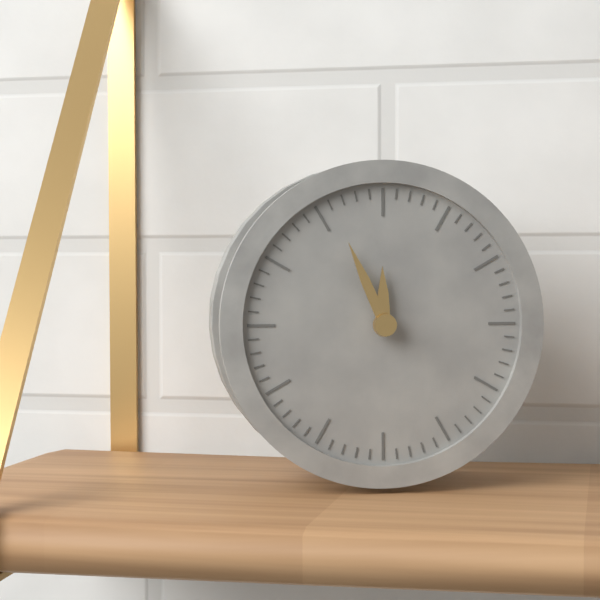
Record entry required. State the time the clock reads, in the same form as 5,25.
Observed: 11,56
